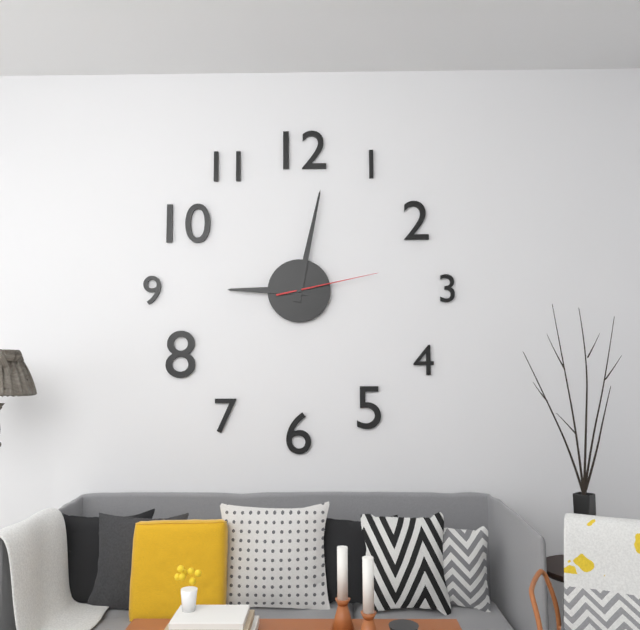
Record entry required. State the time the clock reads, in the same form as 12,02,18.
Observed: 9,02,13
